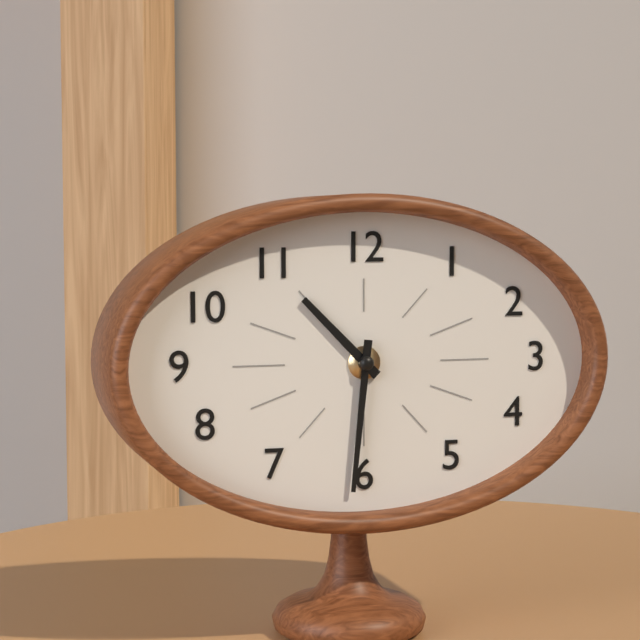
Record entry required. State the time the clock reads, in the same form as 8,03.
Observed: 10,31
